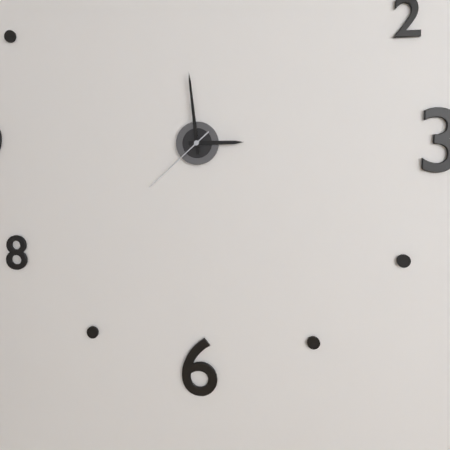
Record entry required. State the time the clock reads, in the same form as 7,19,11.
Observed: 2,59,38
